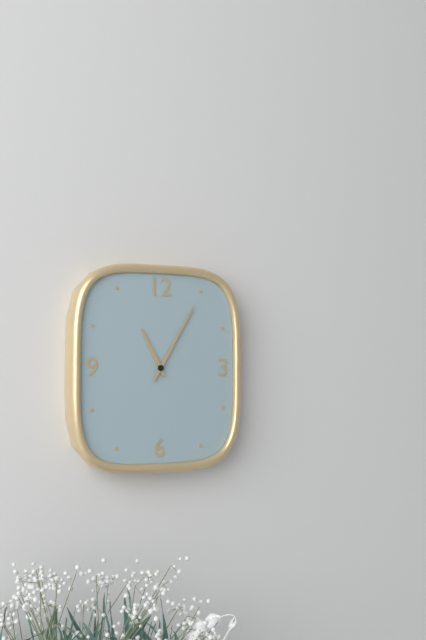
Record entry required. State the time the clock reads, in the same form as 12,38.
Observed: 11,05
